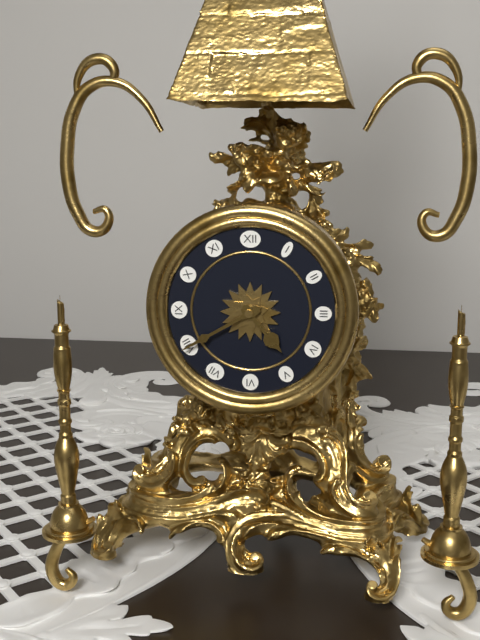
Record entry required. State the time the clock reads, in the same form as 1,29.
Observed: 4,40
